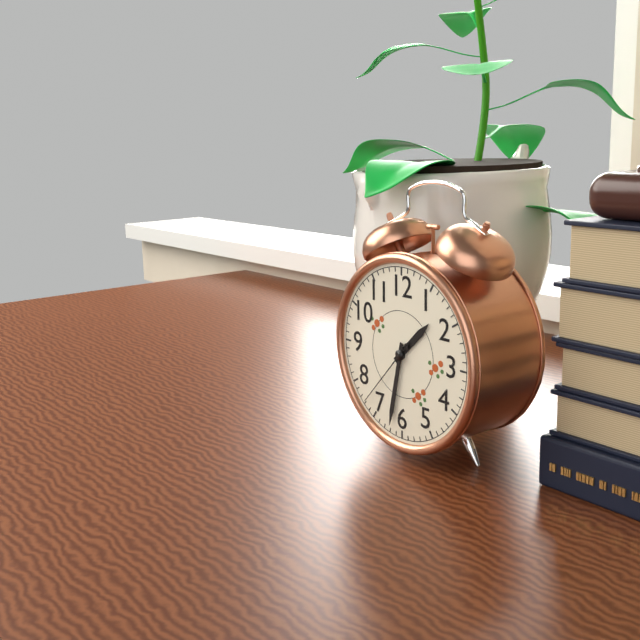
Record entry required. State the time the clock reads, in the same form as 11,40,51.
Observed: 1,32,37
